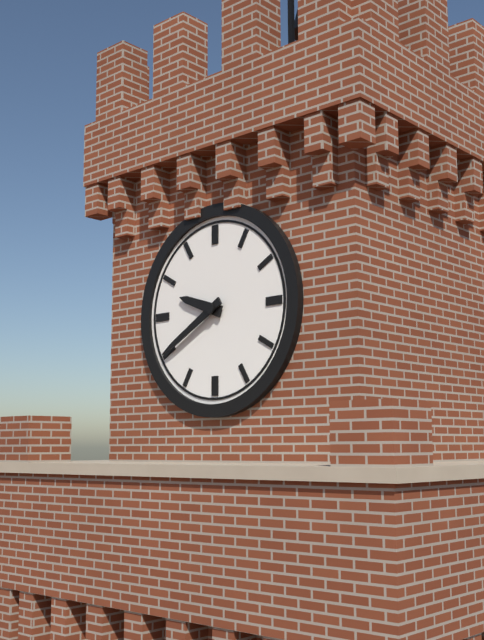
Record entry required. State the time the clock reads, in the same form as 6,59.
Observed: 9,40
